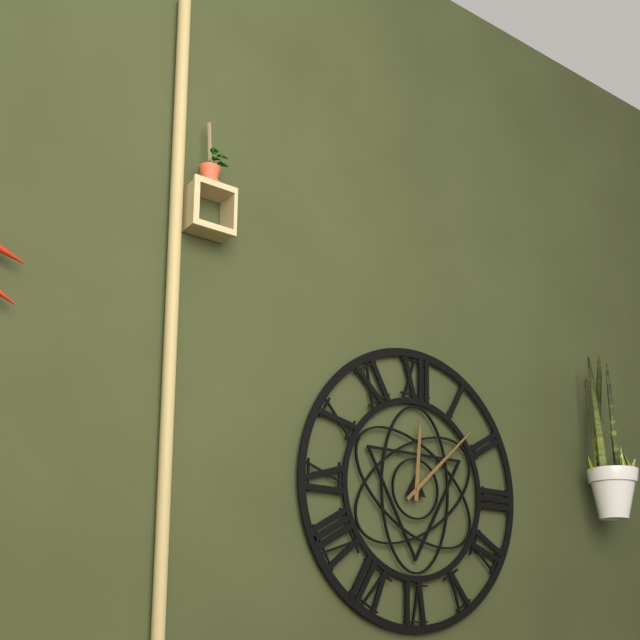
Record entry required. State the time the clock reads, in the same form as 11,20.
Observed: 12,08
